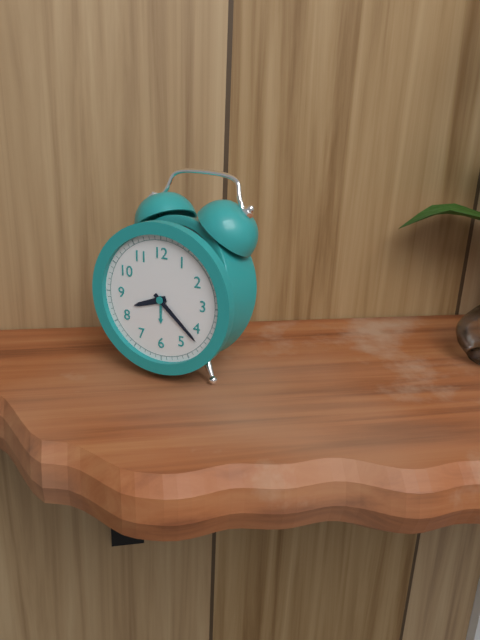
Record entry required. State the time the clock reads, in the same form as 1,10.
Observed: 8,22
